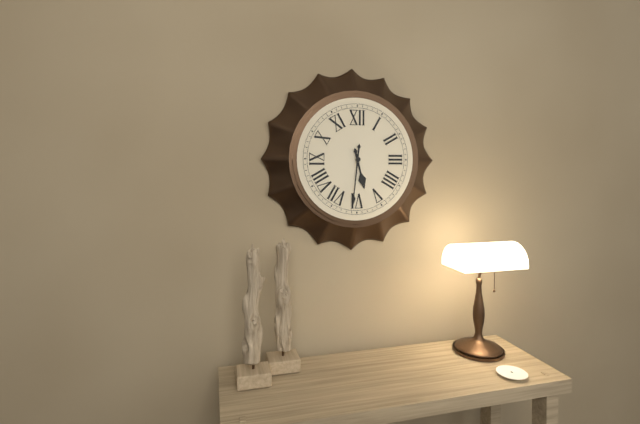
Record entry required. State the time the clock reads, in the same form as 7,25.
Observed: 5,31
